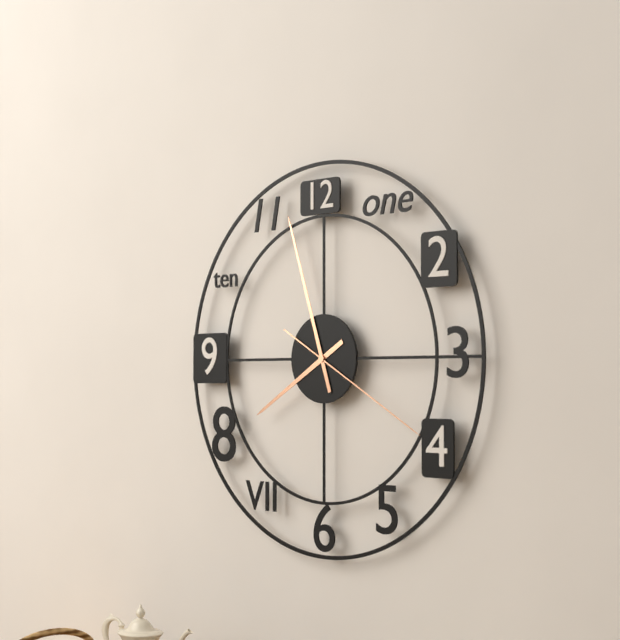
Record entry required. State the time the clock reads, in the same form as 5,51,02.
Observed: 7,57,20
